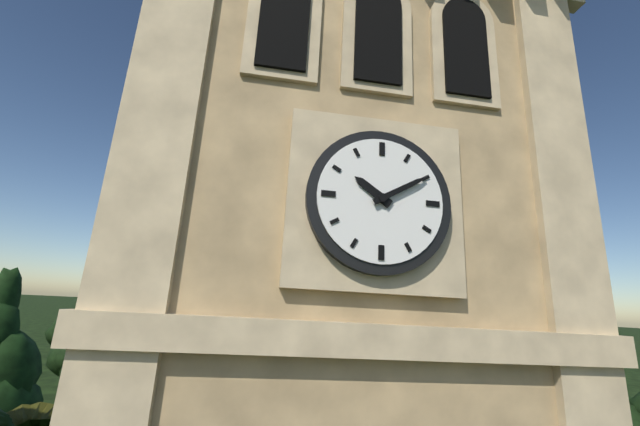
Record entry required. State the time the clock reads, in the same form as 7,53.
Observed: 10,10
